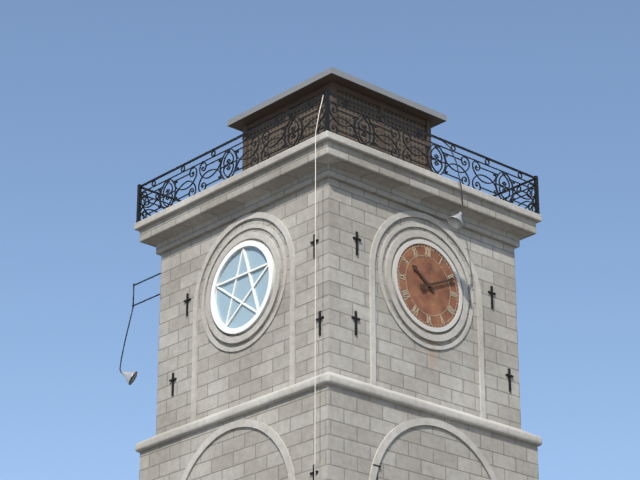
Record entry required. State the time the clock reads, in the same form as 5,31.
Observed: 10,11
